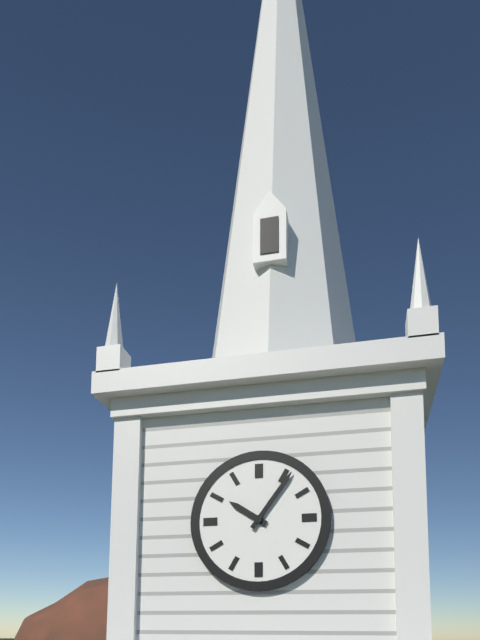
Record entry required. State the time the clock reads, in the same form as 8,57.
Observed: 10,06
